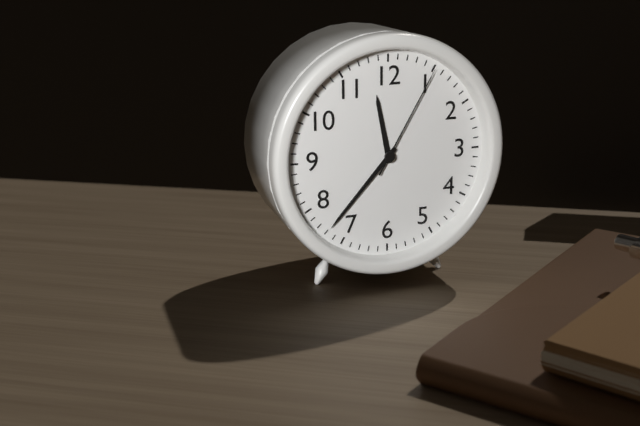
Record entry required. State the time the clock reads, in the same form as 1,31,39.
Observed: 11,37,05
